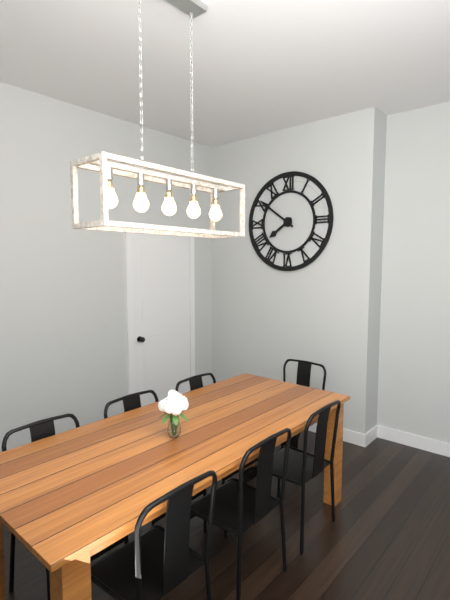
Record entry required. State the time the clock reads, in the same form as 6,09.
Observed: 7,51
